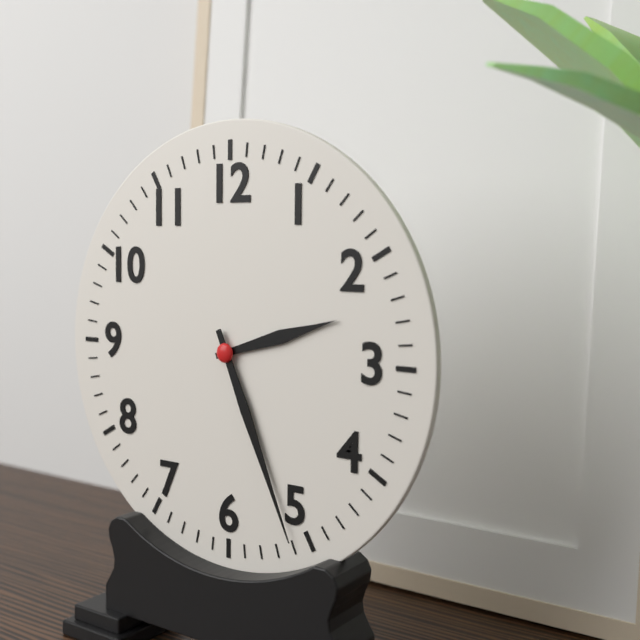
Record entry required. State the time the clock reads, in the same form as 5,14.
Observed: 2,26
